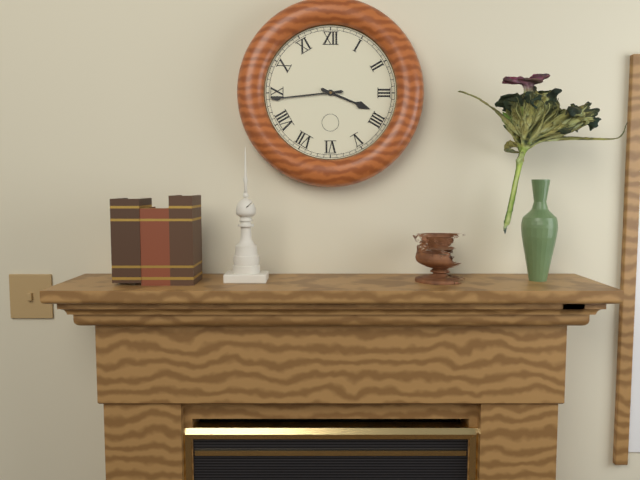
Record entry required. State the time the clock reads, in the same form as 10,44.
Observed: 3,44
